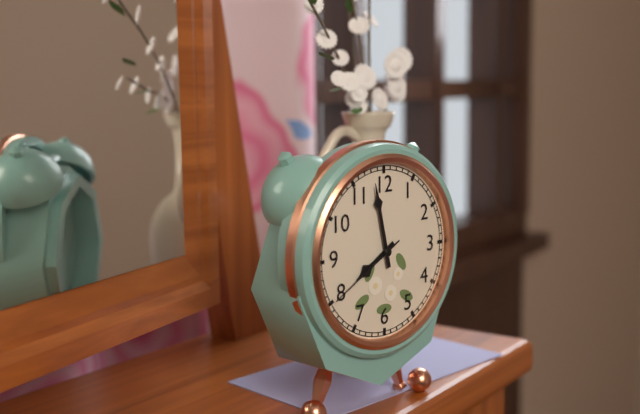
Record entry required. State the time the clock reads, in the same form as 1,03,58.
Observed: 7,58,40
